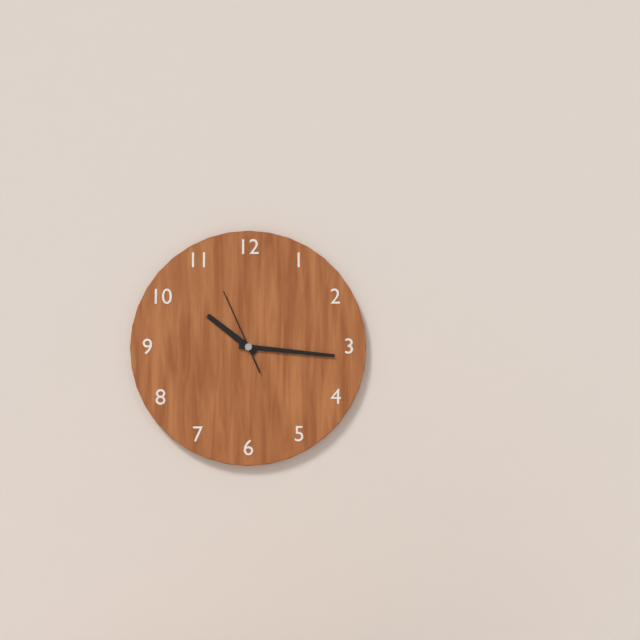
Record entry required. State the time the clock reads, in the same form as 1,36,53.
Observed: 10,16,56
